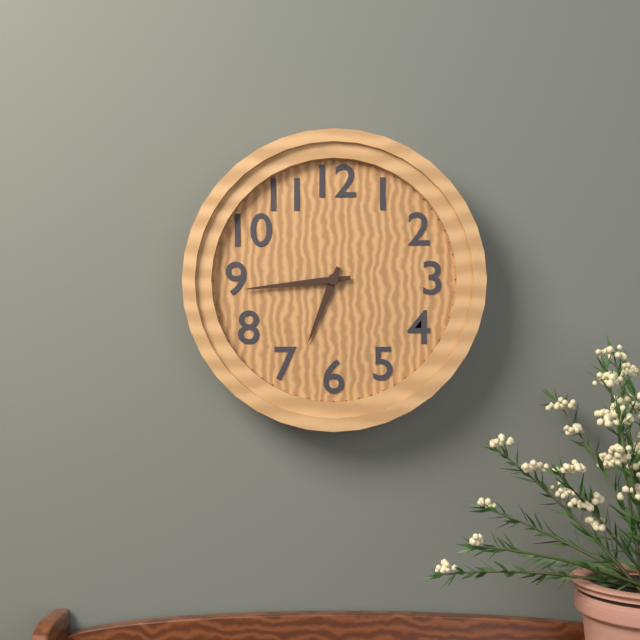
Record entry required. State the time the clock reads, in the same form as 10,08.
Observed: 6,44
